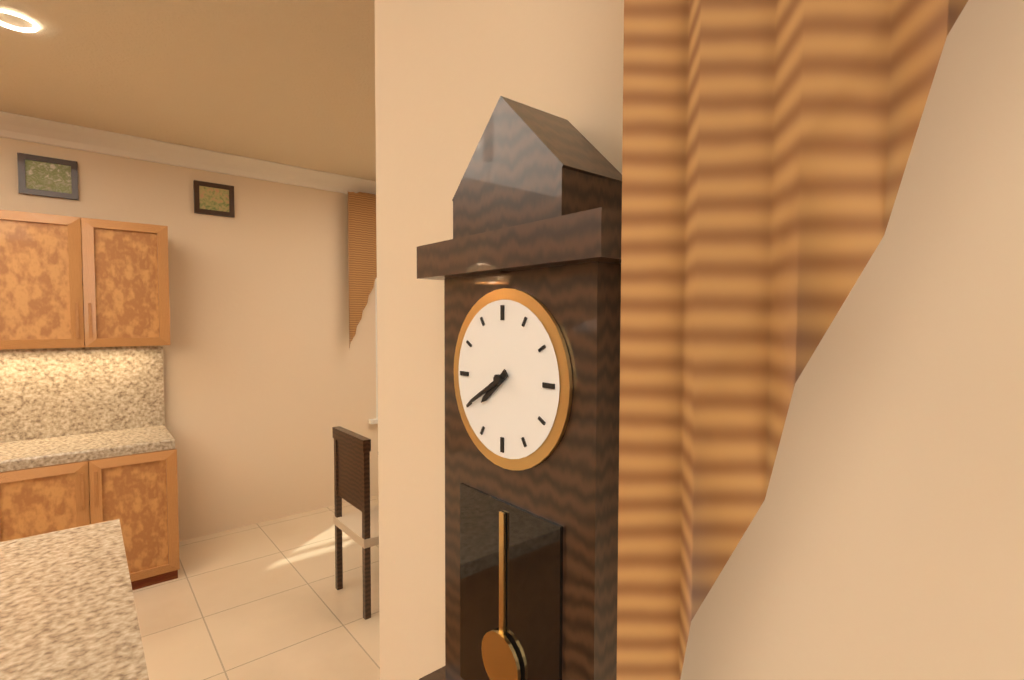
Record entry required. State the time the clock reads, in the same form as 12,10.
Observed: 7,40
